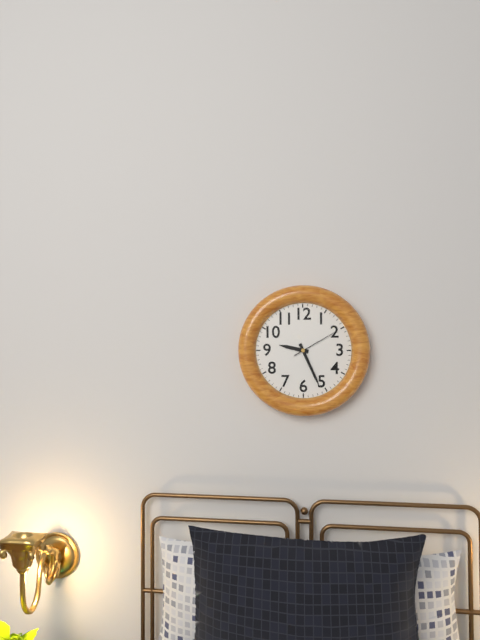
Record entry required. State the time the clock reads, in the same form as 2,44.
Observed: 9,26
